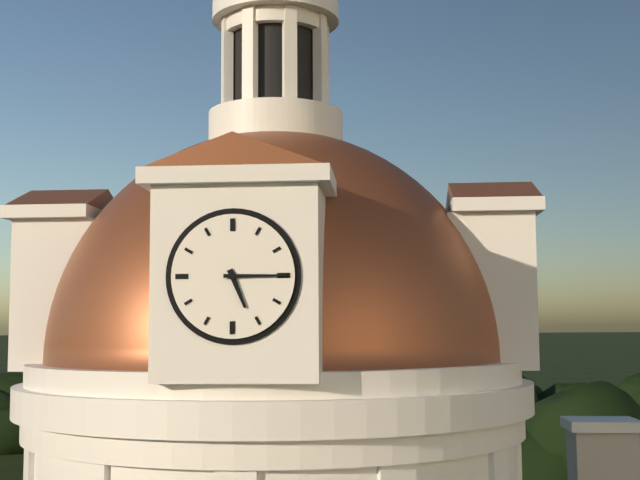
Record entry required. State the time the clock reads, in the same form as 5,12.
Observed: 5,15
